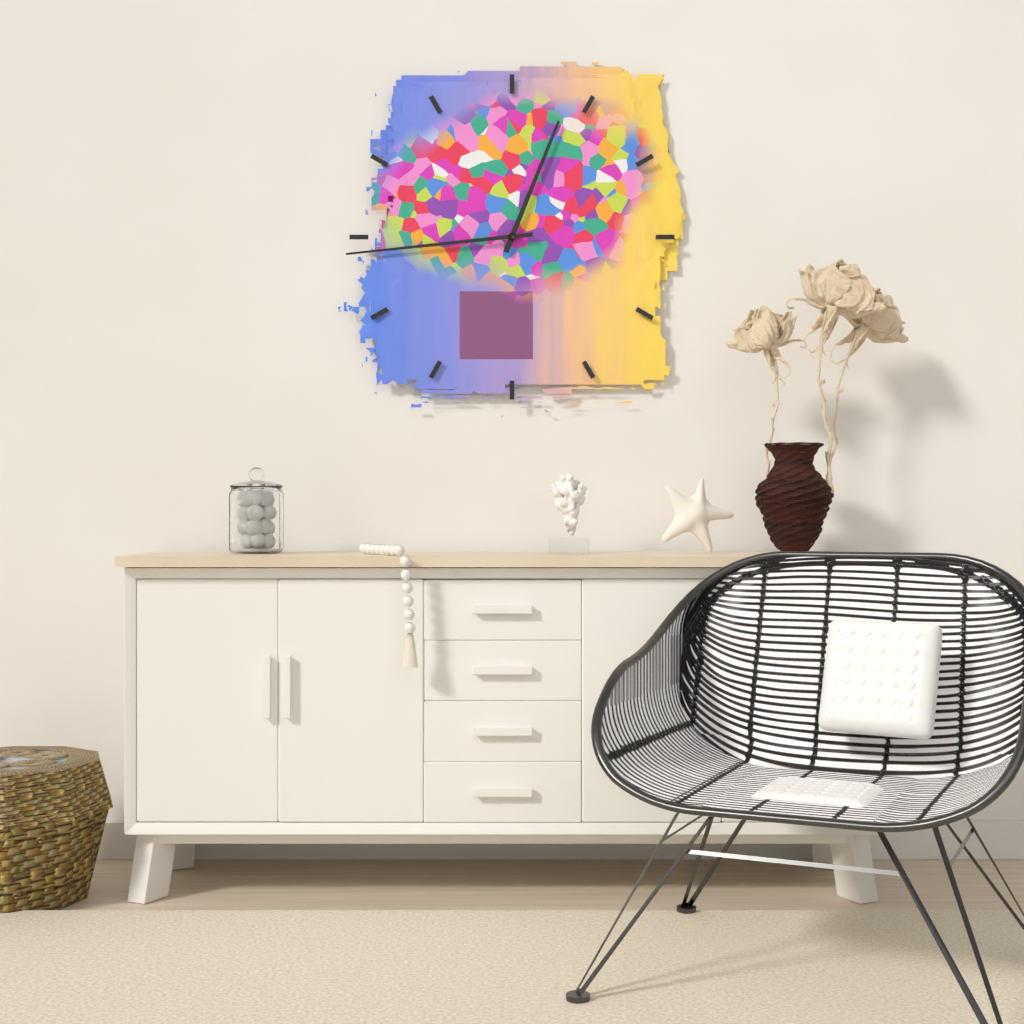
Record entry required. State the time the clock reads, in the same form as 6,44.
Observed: 12,44
